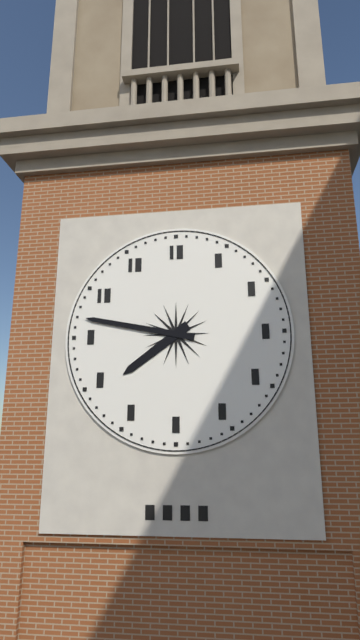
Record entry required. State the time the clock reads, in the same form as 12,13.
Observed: 7,47
